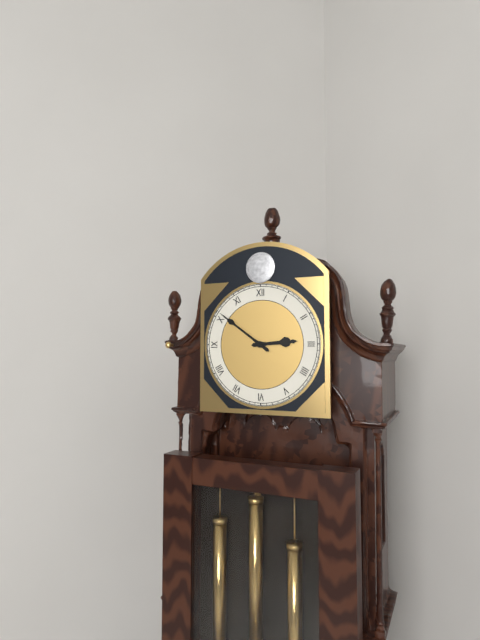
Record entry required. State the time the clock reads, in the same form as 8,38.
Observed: 2,51
